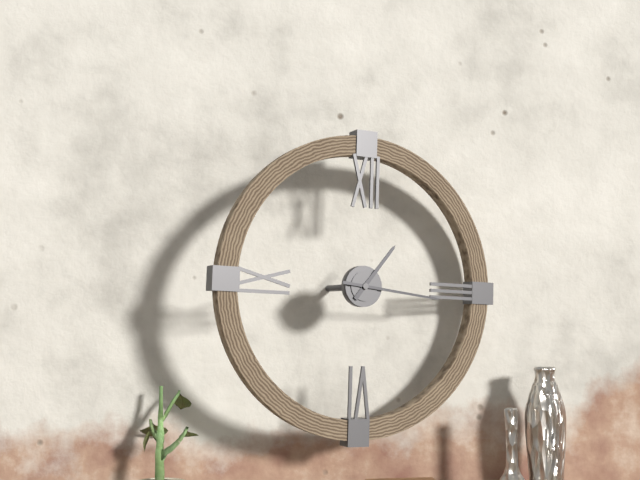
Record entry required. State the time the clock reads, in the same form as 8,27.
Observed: 1,16
